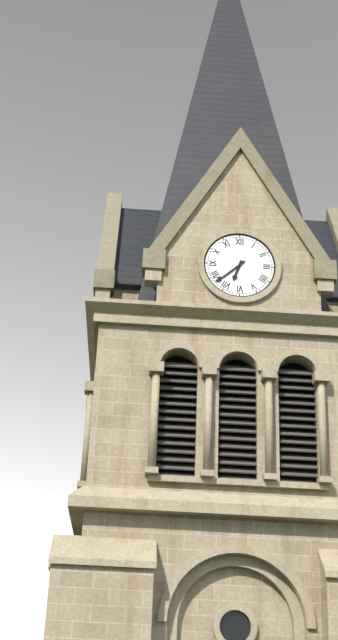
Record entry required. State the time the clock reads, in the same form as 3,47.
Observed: 6,38
